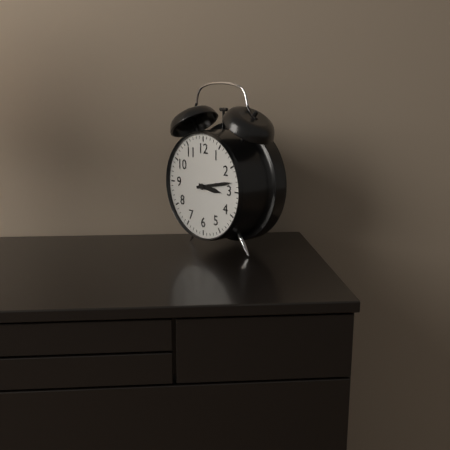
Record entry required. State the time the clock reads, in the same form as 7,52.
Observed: 3,13
